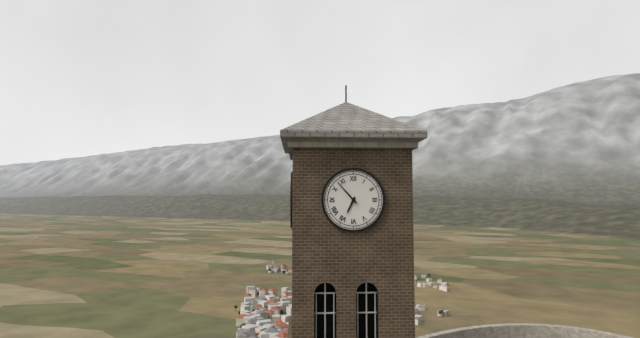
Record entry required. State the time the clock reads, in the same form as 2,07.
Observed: 6,53
